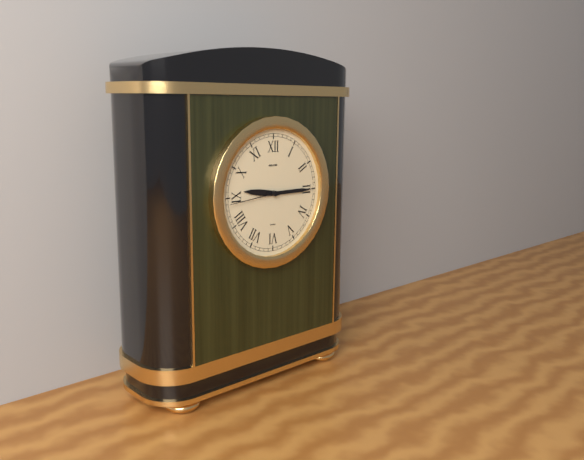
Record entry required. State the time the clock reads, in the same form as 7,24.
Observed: 9,15
